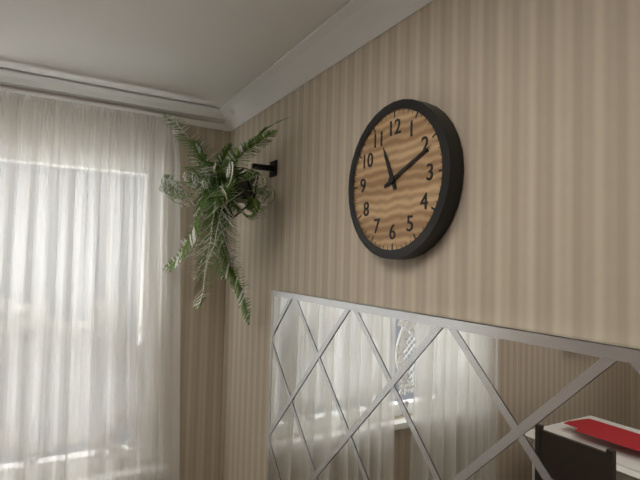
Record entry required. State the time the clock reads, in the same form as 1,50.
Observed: 11,11
